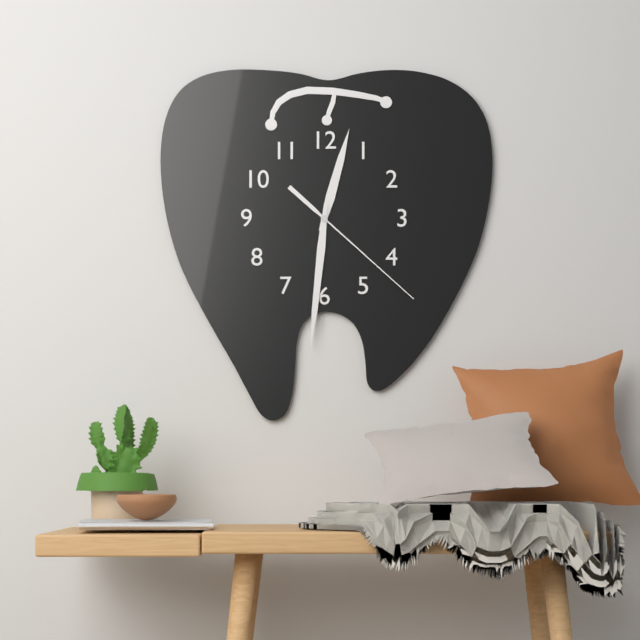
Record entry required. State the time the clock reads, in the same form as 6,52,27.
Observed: 12,31,22
